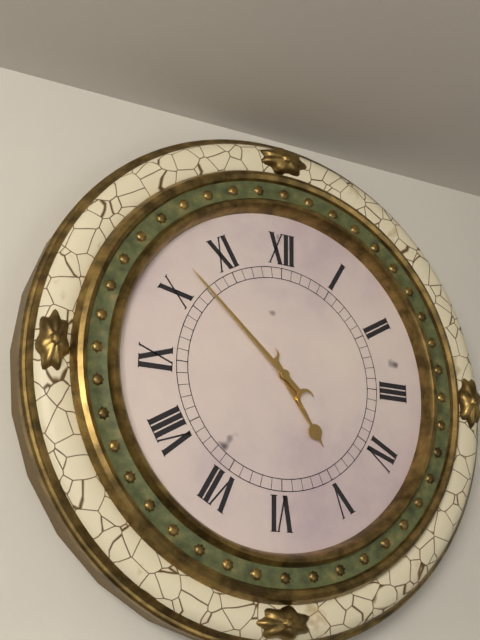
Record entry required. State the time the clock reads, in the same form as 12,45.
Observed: 4,52
